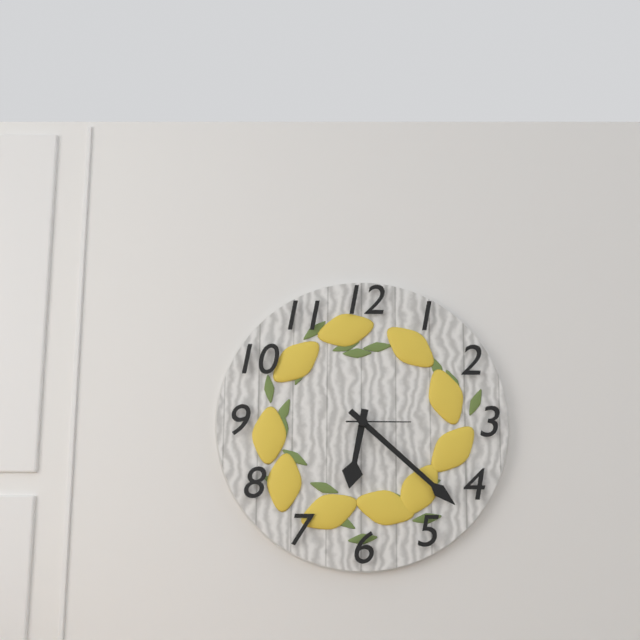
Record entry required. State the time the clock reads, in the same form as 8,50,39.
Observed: 6,22,15
